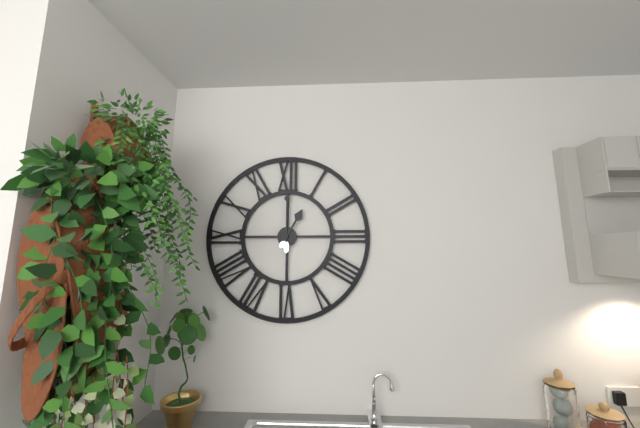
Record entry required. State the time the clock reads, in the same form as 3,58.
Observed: 1,00
